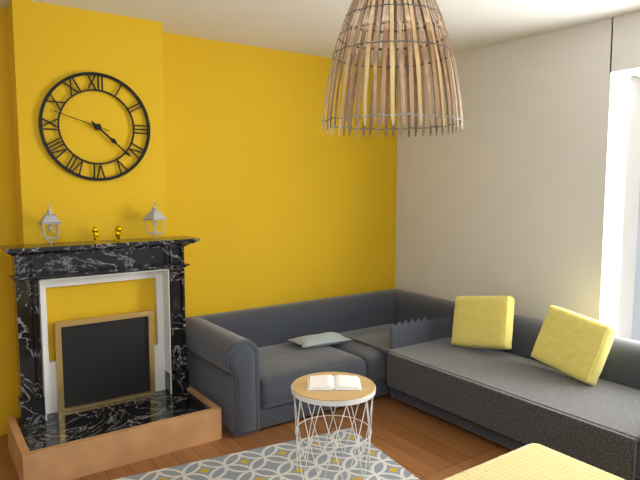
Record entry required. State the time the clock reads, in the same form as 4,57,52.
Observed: 4,22,48
